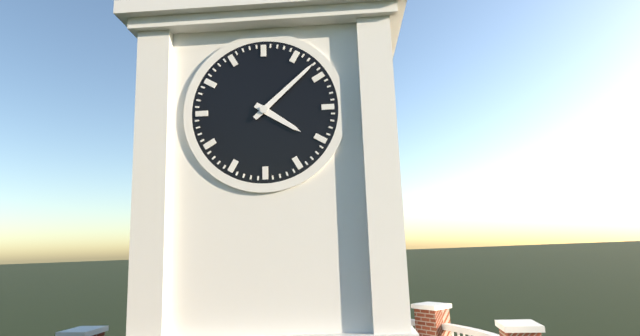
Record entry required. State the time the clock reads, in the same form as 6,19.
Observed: 4,08
